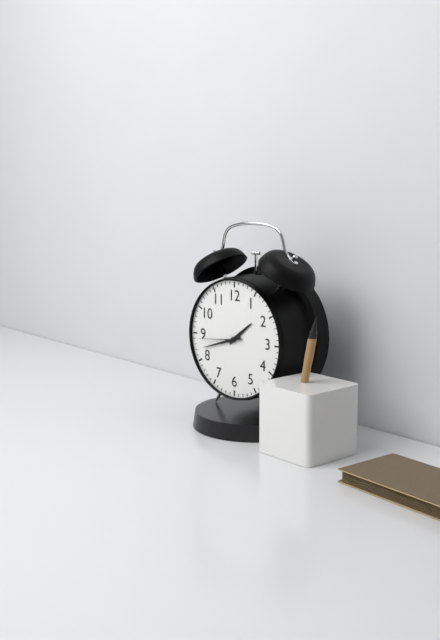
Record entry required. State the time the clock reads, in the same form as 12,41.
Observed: 1,42
